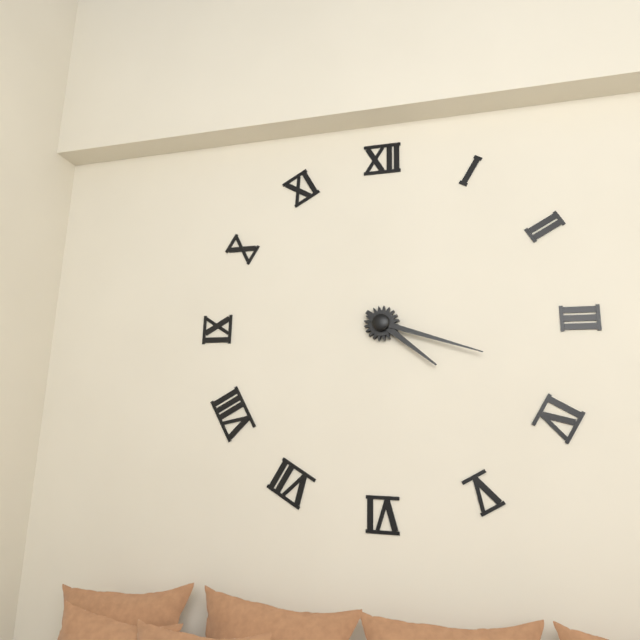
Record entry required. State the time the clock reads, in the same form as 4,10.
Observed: 4,18
